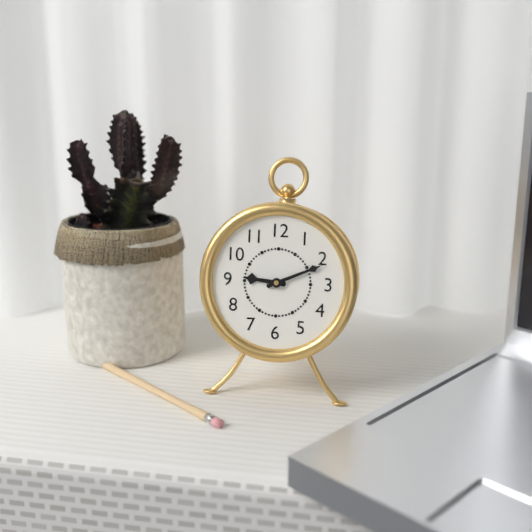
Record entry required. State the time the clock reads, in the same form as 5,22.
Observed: 9,11
